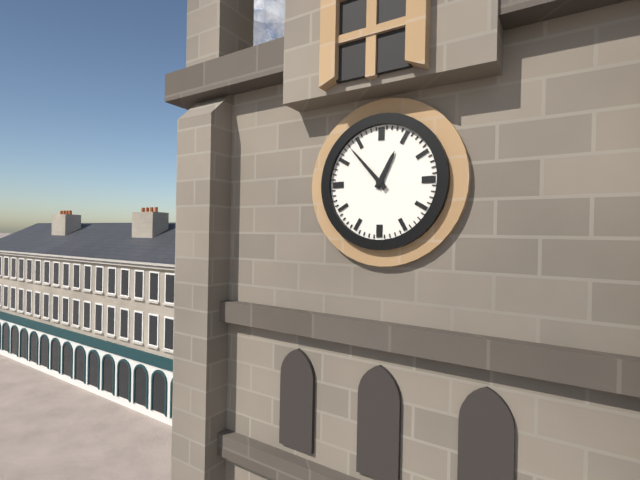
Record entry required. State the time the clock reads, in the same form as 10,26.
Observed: 12,53
